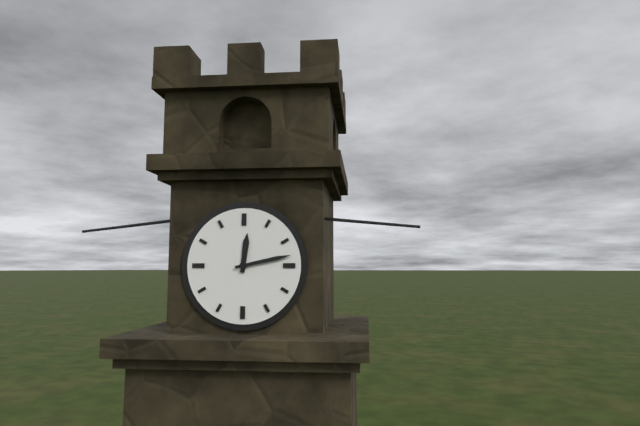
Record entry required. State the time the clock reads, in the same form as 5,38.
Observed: 12,13
